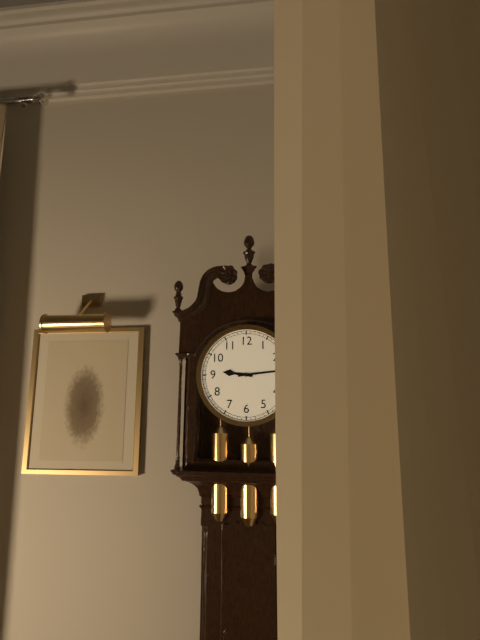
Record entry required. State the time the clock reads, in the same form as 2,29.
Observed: 9,14
